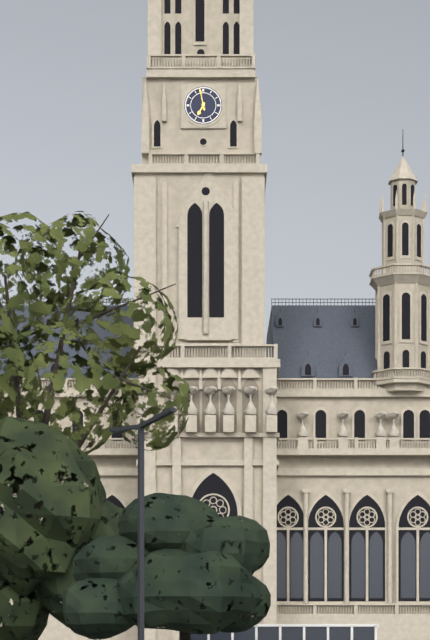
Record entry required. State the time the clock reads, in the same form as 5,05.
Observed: 6,58
